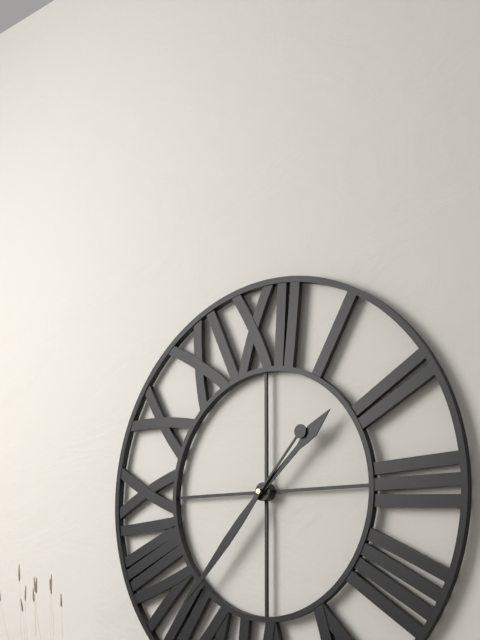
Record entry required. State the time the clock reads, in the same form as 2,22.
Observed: 1,37
